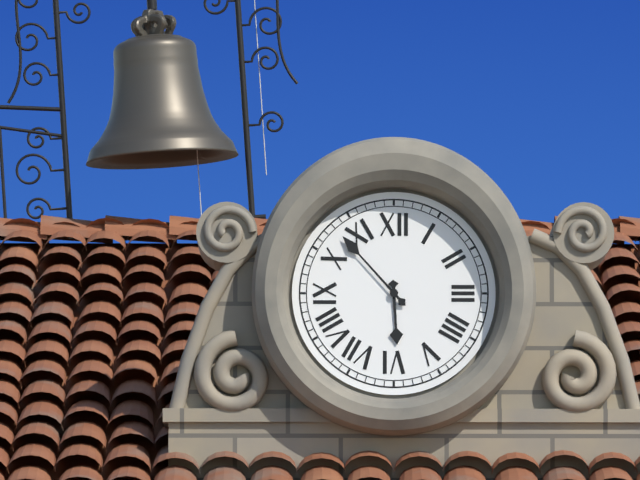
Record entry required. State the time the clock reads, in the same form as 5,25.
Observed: 5,53
